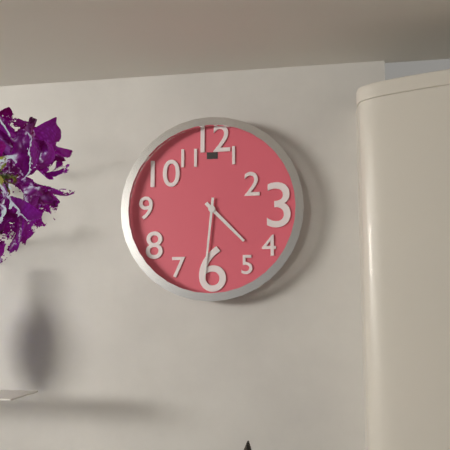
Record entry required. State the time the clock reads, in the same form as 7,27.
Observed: 4,31
